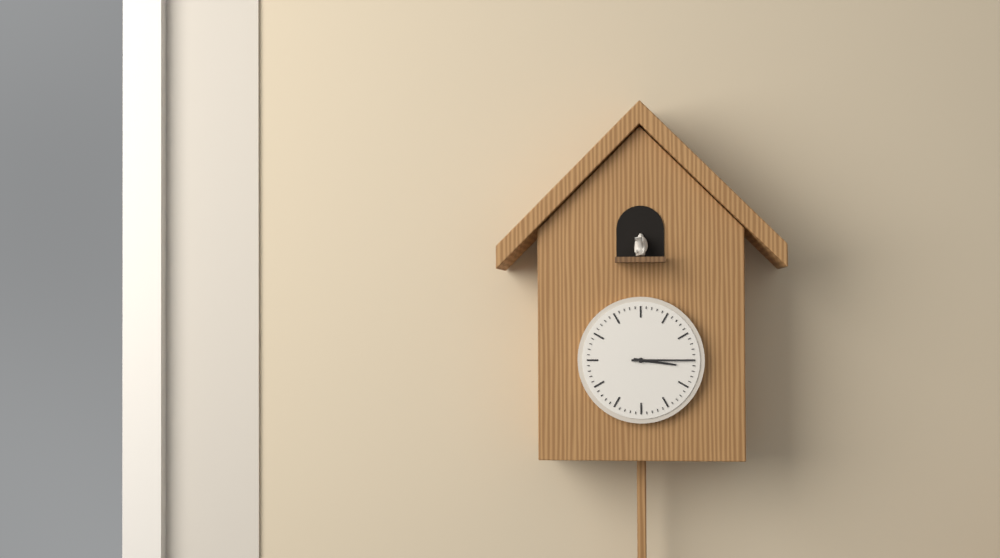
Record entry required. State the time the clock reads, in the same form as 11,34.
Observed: 3,15
